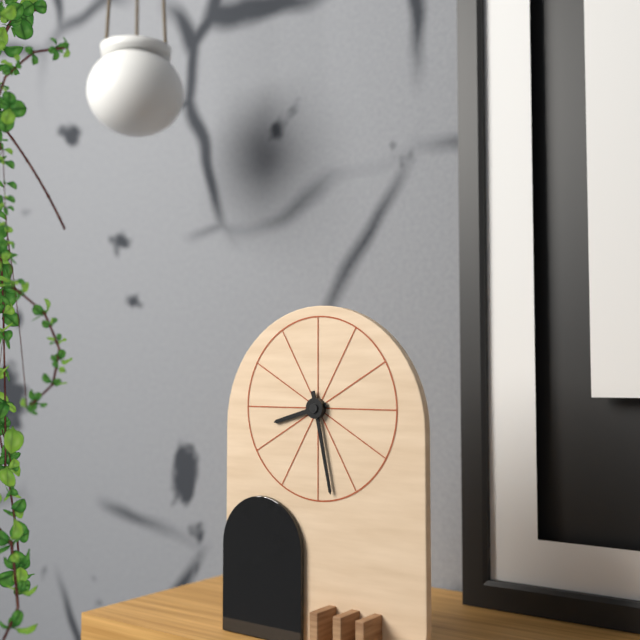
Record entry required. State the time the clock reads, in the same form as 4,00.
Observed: 8,28
